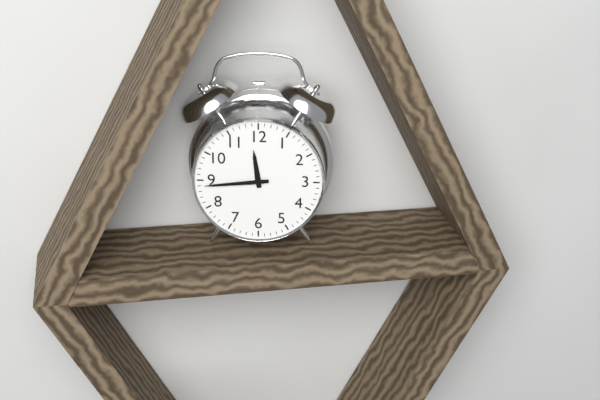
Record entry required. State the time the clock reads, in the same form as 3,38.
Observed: 11,44
